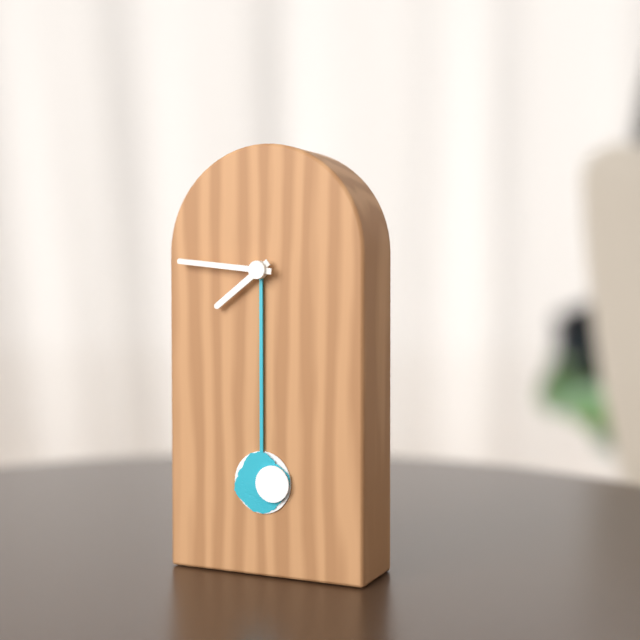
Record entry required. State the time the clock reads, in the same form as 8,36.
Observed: 7,46
